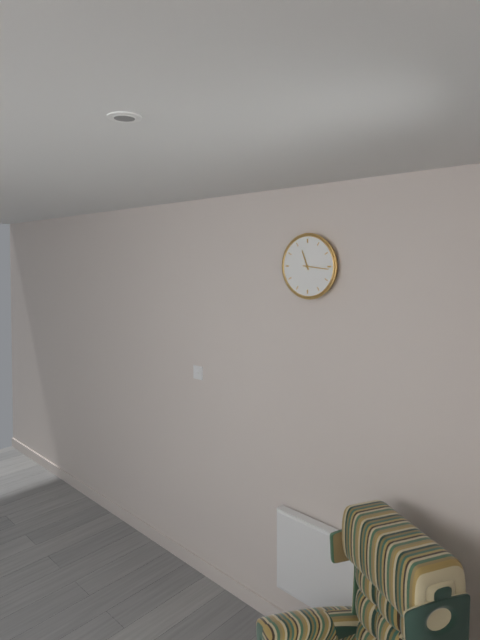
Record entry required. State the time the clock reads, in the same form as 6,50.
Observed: 11,16
